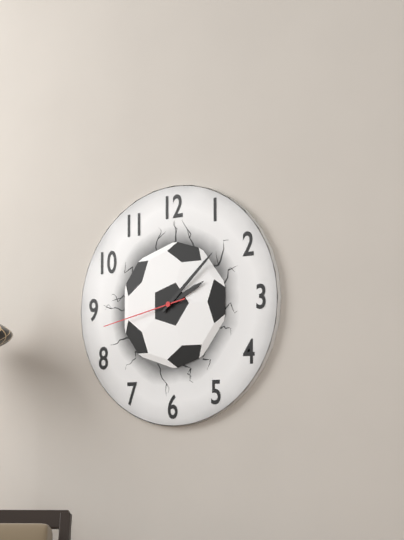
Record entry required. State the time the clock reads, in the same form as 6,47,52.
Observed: 2,08,43
